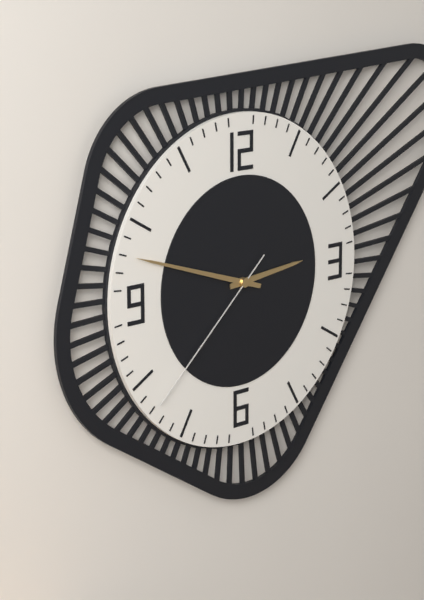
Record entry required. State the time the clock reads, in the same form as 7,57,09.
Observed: 2,48,38
